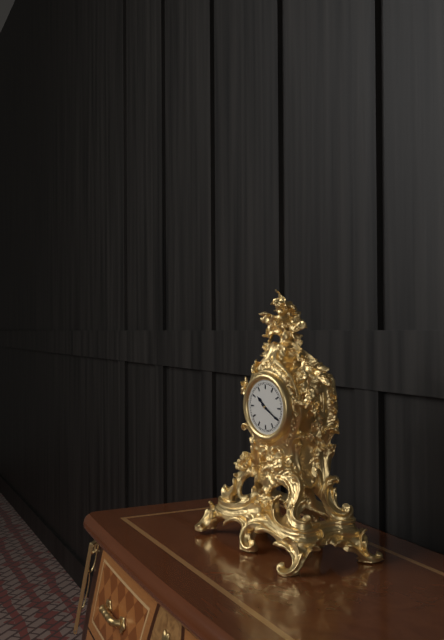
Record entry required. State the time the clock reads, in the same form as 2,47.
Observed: 10,20
